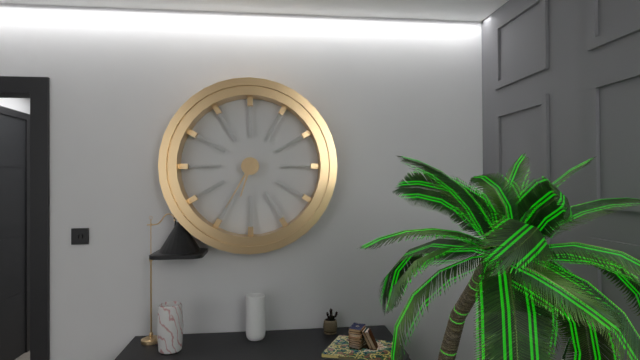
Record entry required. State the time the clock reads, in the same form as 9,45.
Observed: 6,35
